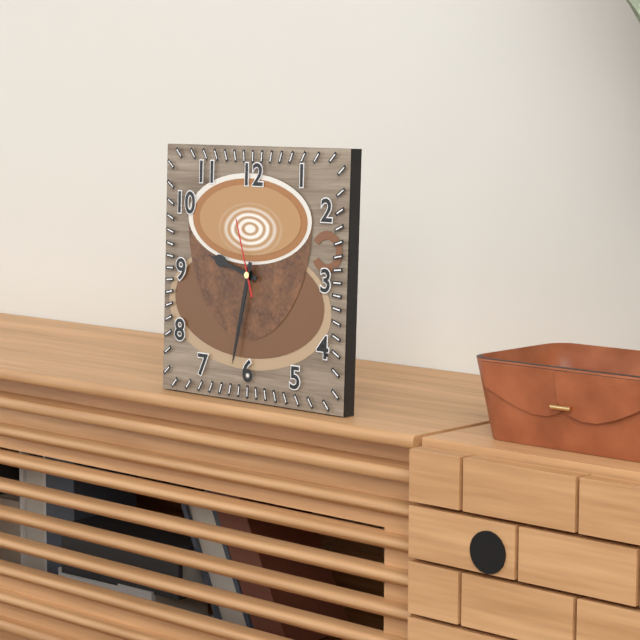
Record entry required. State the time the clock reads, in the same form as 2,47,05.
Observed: 9,32,57
